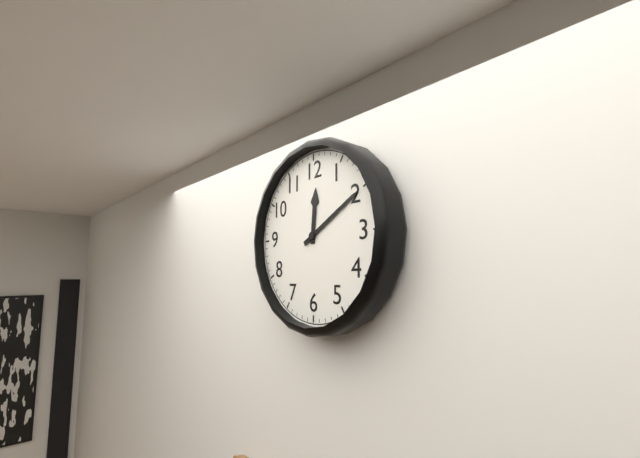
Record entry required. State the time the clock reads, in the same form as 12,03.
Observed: 12,10
